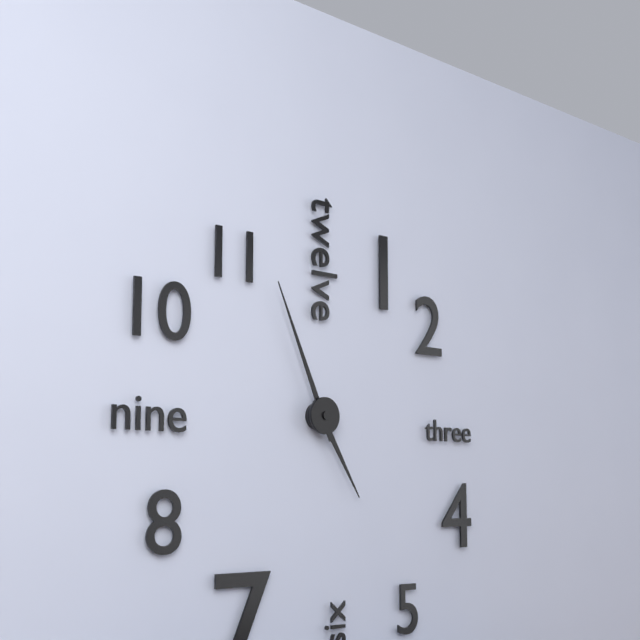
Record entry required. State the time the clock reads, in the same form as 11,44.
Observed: 4,56
